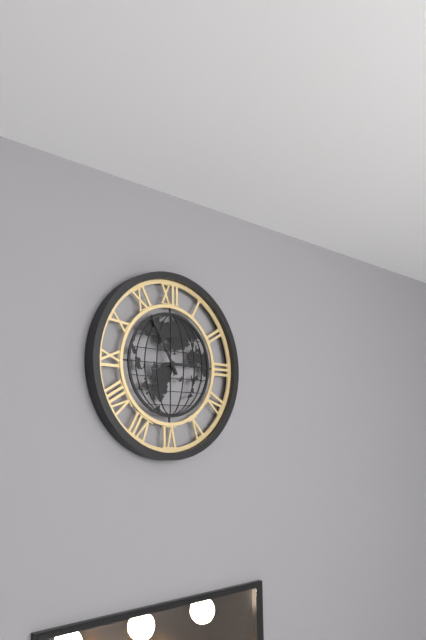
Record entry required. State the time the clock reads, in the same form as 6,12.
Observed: 2,55
